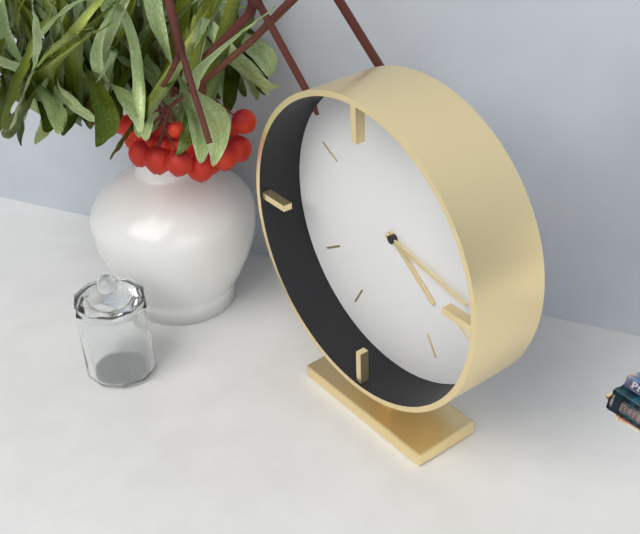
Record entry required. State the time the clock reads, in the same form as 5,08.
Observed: 4,17
